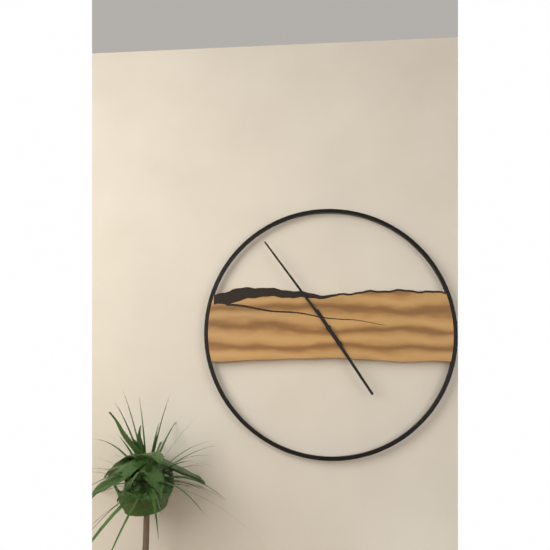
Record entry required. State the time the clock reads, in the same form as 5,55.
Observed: 4,54
